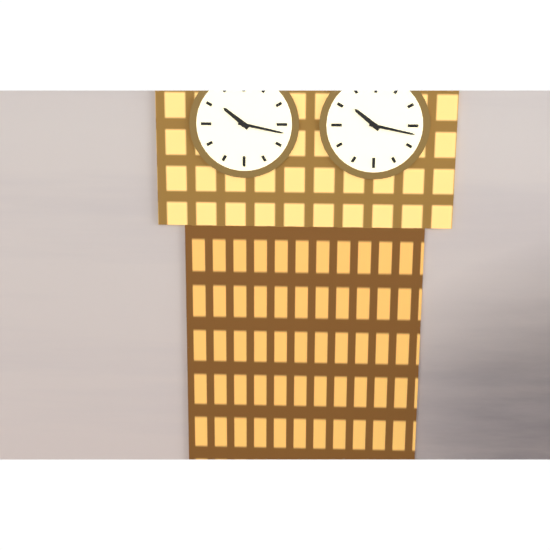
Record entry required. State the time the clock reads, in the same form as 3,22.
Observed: 10,17
